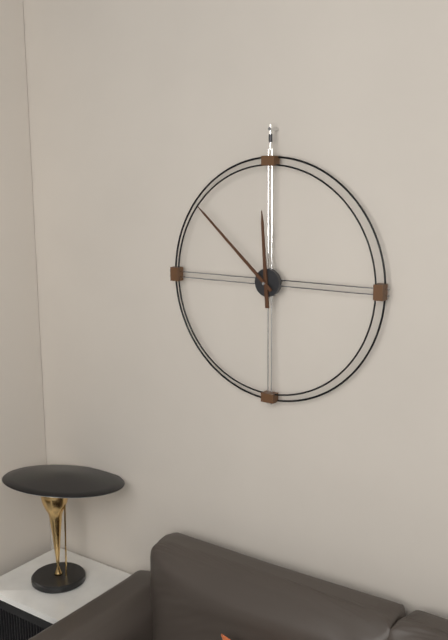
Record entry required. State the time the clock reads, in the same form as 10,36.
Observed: 11,52
